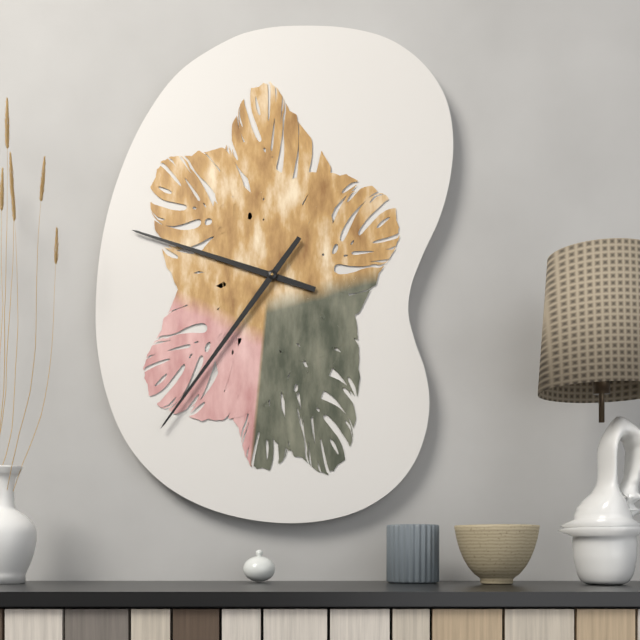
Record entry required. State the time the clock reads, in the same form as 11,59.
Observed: 9,36
